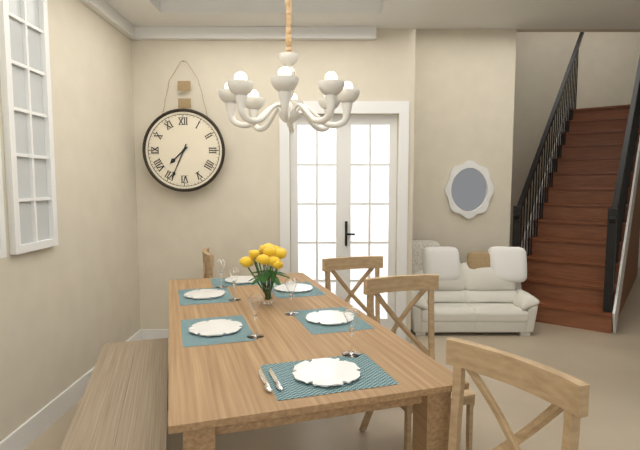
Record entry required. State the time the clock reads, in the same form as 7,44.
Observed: 7,34
